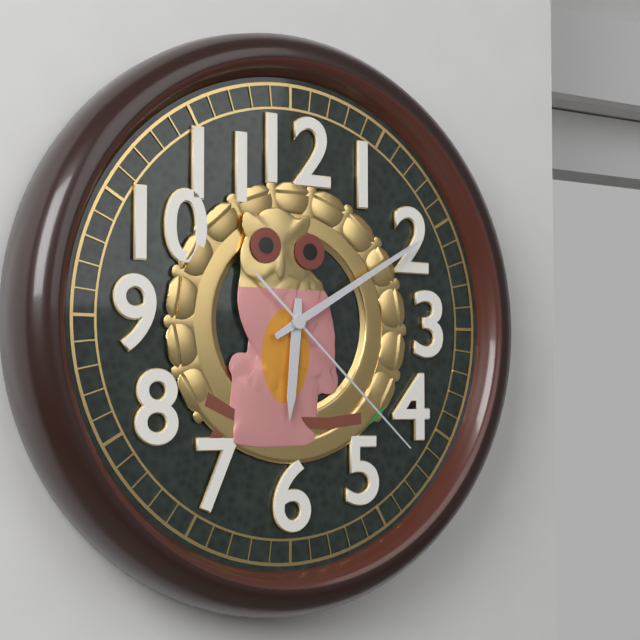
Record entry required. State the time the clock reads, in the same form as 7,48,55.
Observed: 6,10,22
